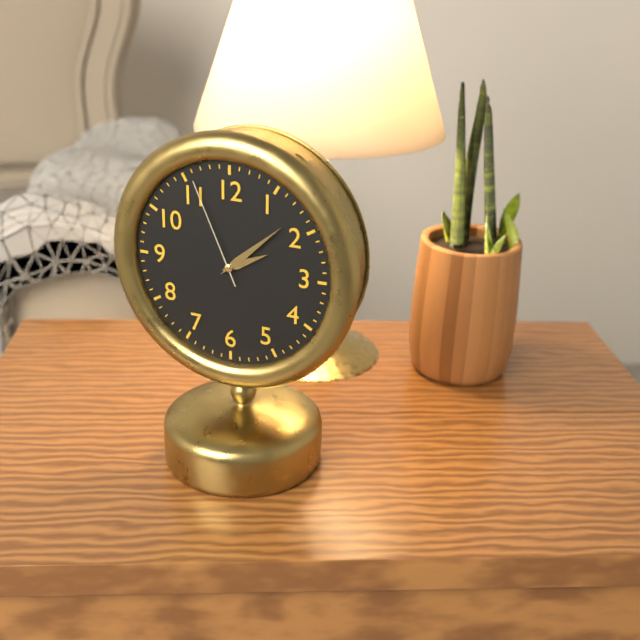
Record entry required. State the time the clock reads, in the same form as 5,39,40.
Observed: 2,08,56
